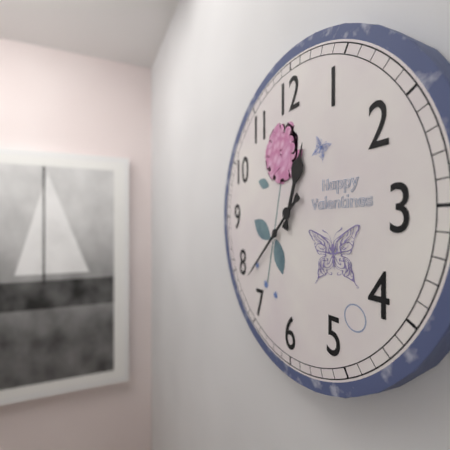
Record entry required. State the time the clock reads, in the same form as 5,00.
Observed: 12,38
